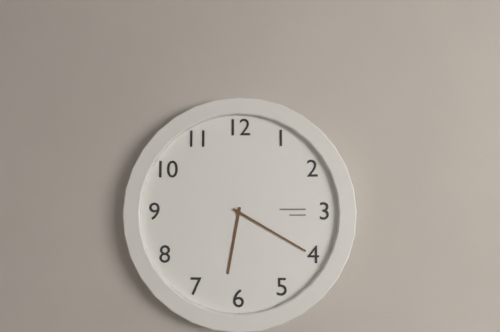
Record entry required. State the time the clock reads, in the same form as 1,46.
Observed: 6,20
